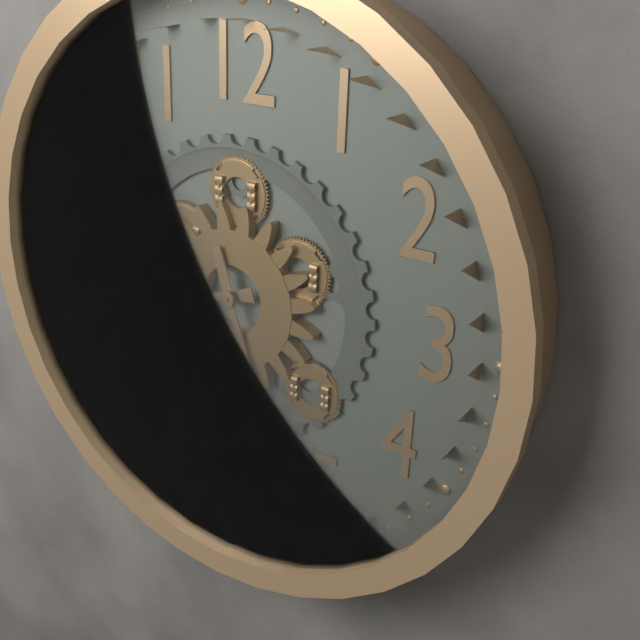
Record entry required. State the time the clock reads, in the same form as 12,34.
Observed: 8,27
